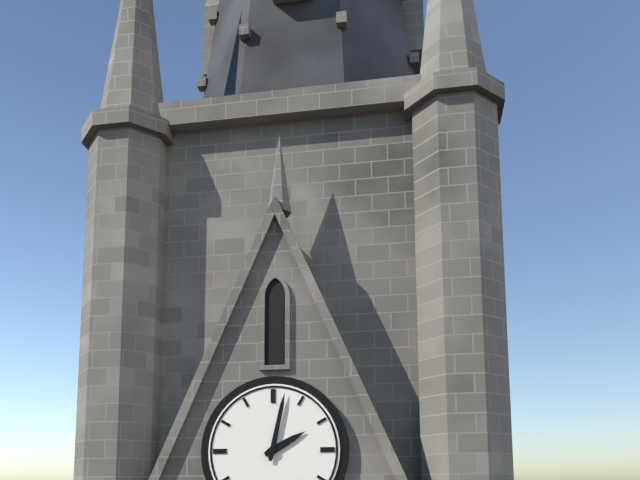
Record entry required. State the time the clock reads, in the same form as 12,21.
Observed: 2,02
